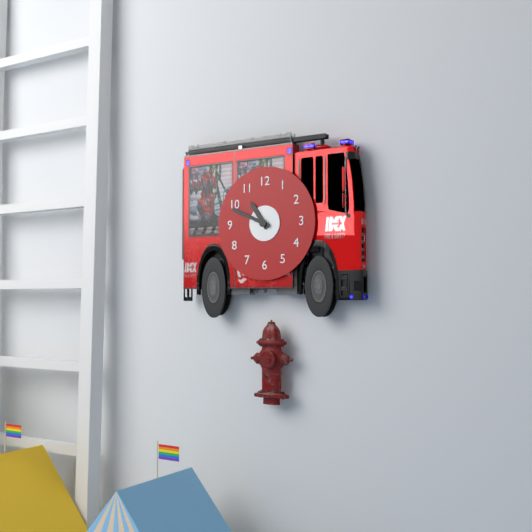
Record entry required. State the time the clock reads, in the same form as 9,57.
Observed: 10,49
